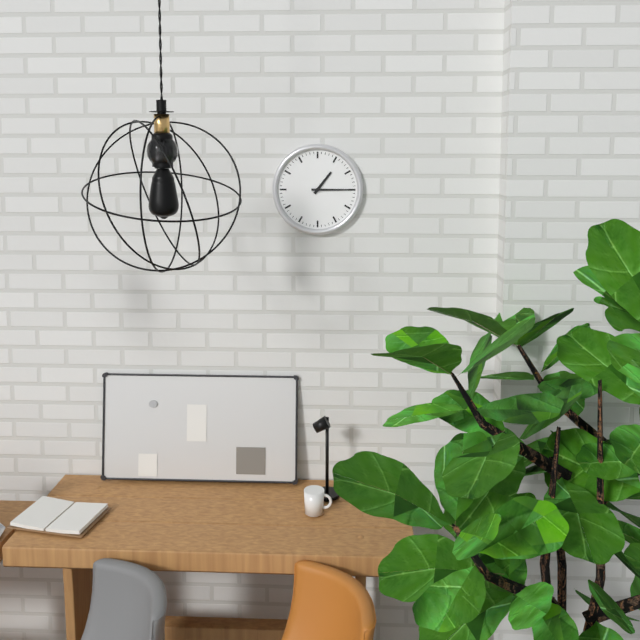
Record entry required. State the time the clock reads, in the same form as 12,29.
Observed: 1,15
